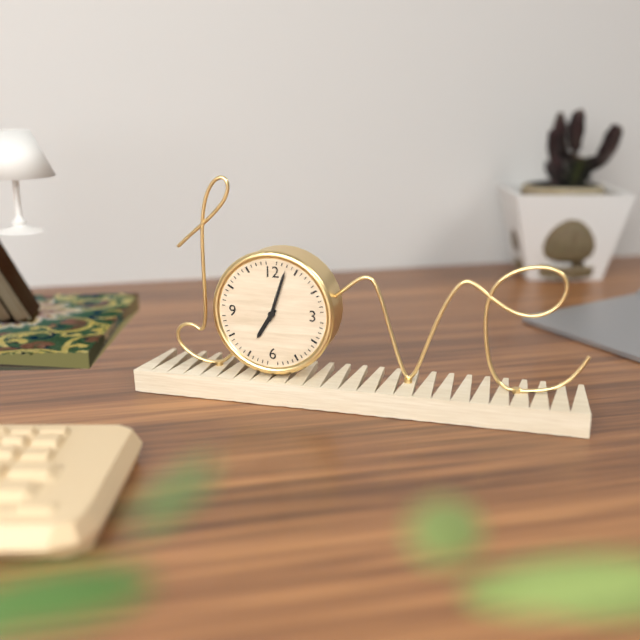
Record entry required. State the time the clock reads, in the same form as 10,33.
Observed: 7,03
